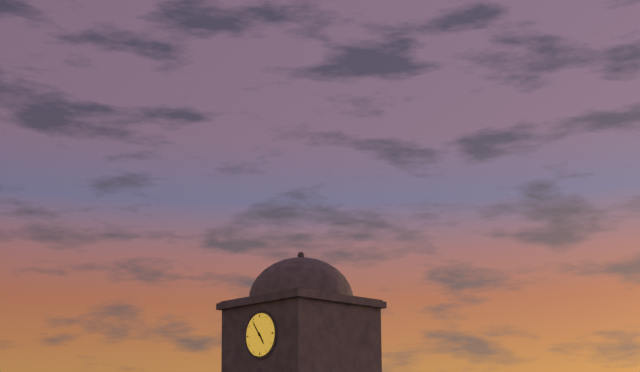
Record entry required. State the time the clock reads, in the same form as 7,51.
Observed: 4,54
